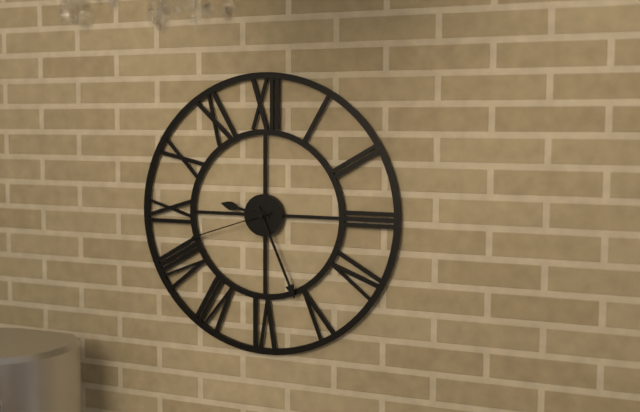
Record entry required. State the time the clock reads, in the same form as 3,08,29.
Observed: 9,26,42
